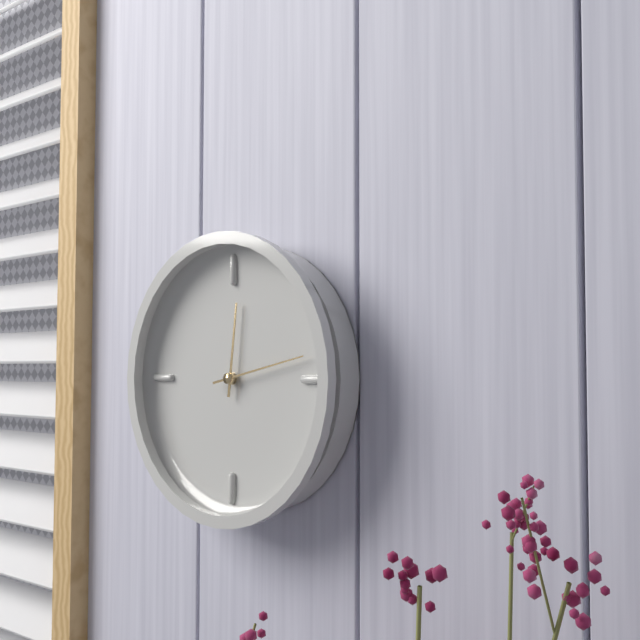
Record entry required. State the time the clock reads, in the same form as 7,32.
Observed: 12,13
